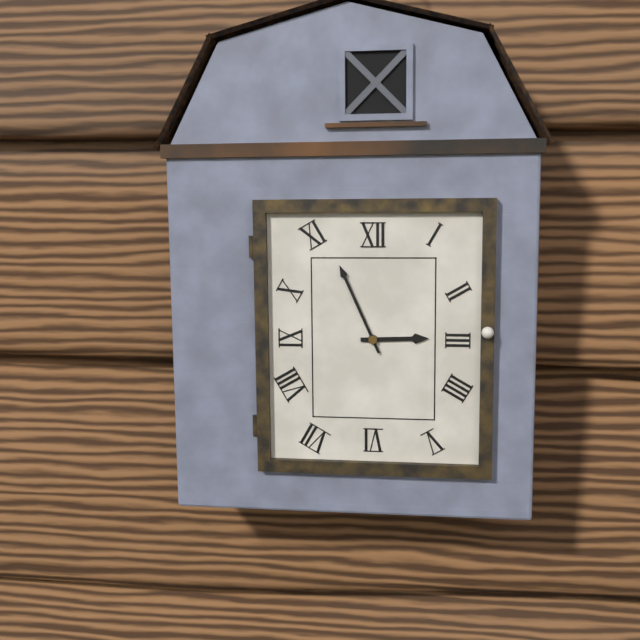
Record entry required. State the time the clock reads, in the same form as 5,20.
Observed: 2,56
